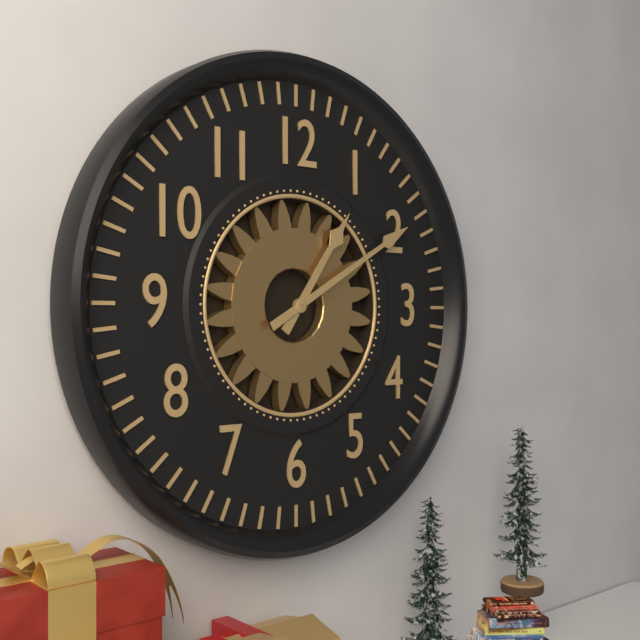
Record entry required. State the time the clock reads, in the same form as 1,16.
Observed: 1,10
